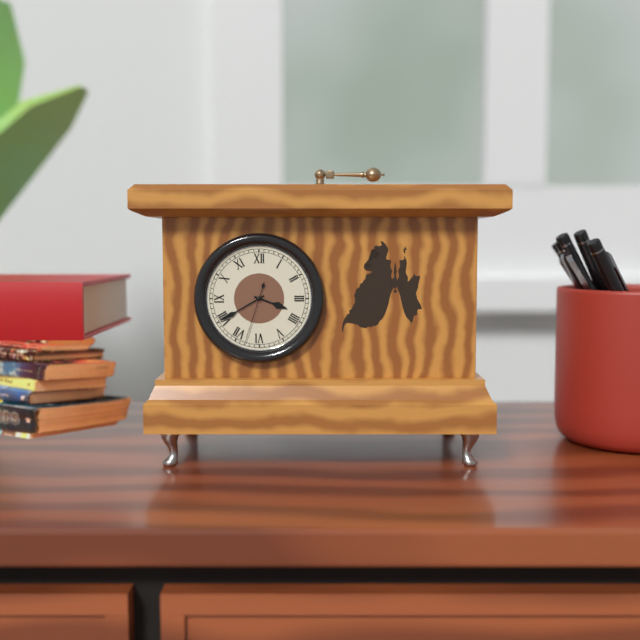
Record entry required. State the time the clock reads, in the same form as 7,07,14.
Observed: 3,40,33
